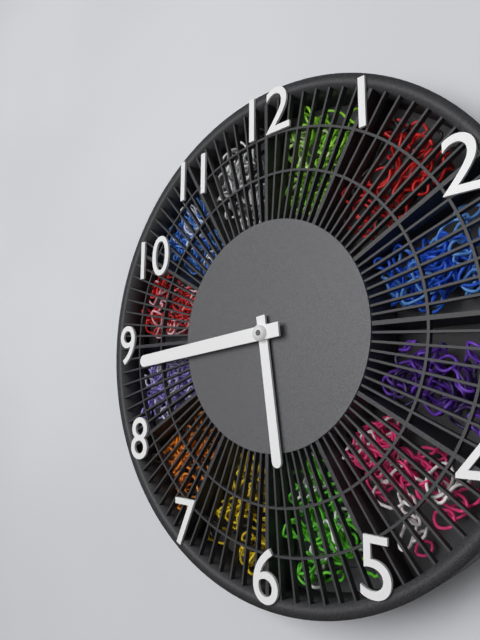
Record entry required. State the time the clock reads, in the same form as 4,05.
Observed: 5,44
